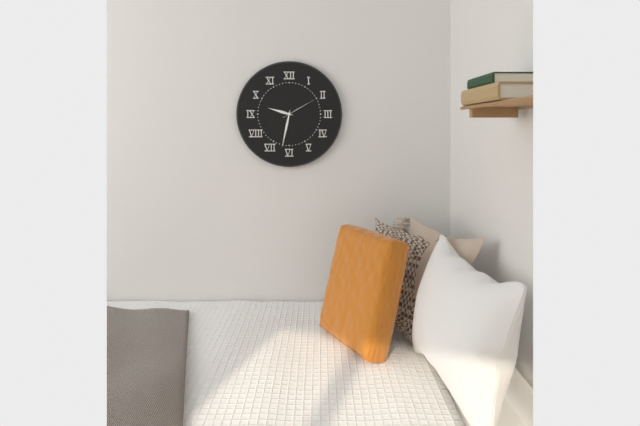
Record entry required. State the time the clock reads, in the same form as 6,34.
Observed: 9,32
